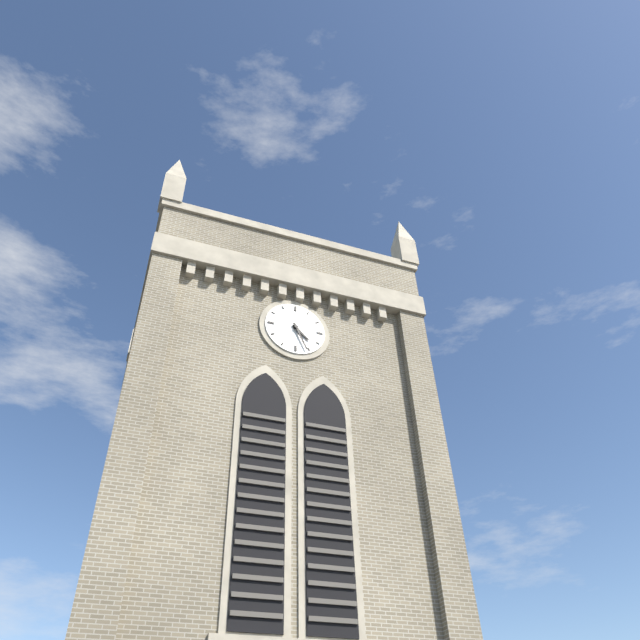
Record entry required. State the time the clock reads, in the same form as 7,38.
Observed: 4,26
